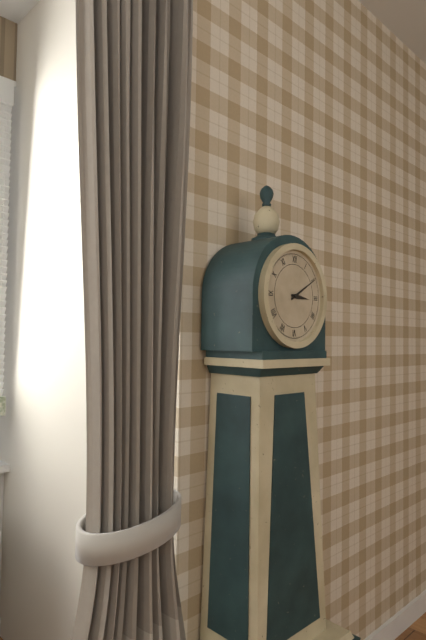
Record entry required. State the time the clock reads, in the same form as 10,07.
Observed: 3,10
